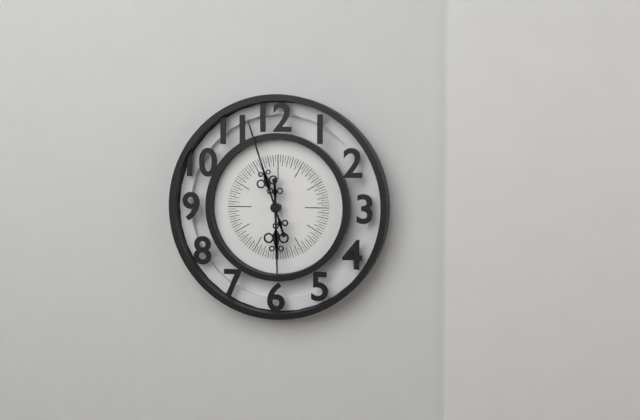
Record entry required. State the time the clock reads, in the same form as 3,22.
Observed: 5,57
